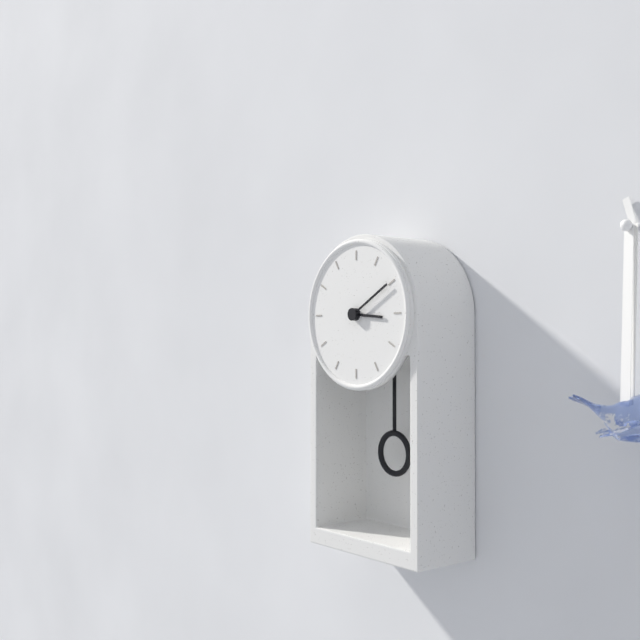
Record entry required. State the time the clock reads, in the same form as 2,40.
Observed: 3,10
